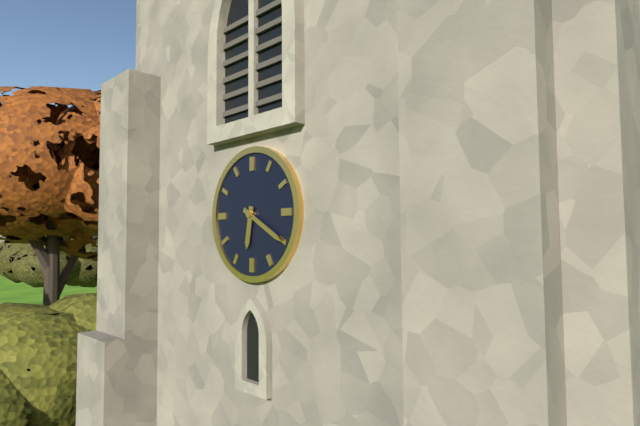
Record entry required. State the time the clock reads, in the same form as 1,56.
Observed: 6,20
